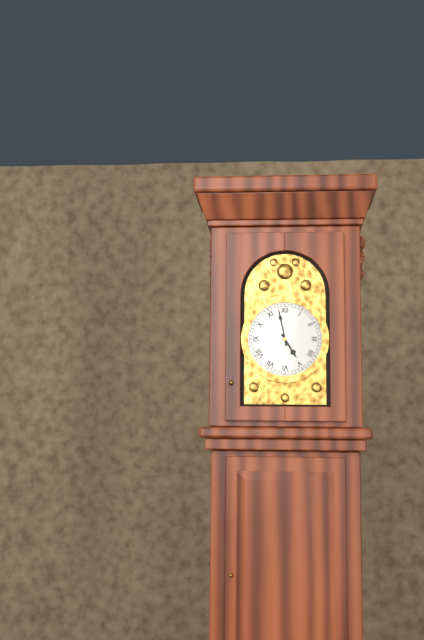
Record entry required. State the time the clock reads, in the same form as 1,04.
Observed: 4,58
